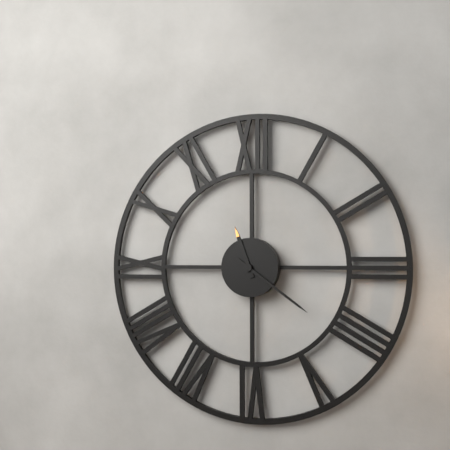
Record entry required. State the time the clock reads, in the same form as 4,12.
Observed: 11,21
